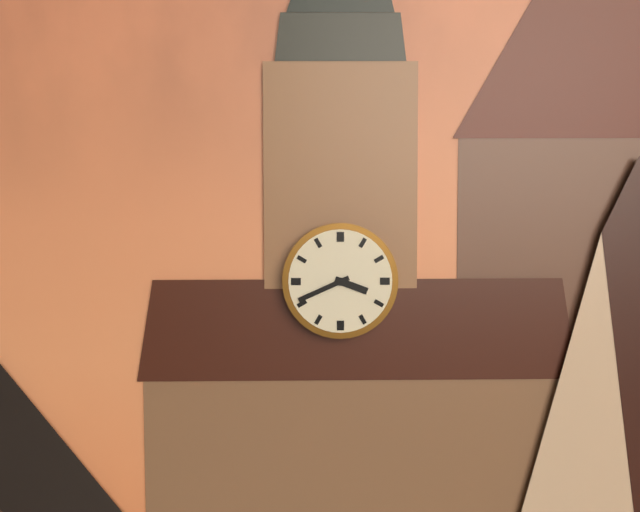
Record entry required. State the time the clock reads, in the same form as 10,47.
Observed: 3,41
